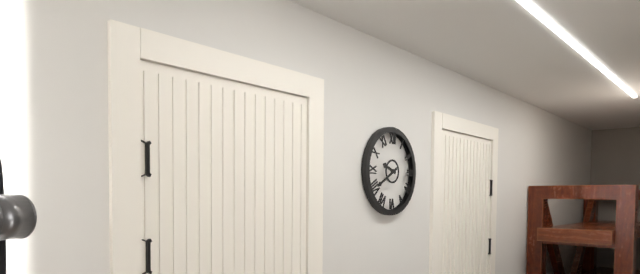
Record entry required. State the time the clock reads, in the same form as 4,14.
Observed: 9,40
